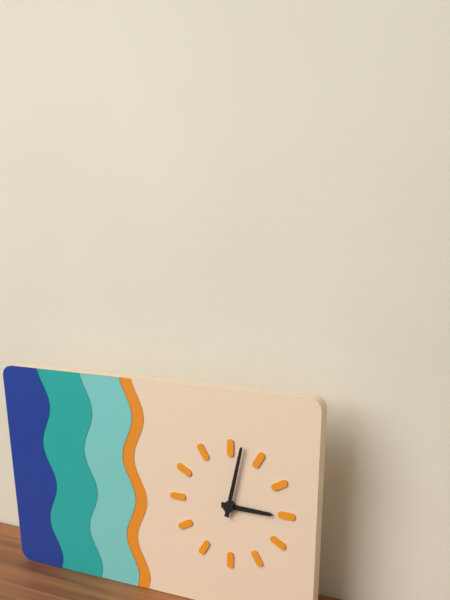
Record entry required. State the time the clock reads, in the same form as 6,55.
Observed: 3,02
